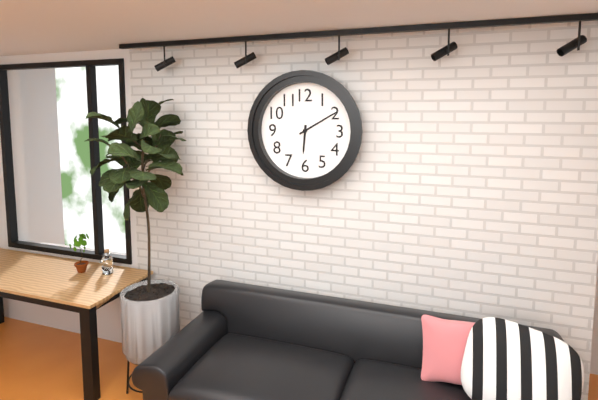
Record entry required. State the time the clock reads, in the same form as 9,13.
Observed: 6,10
